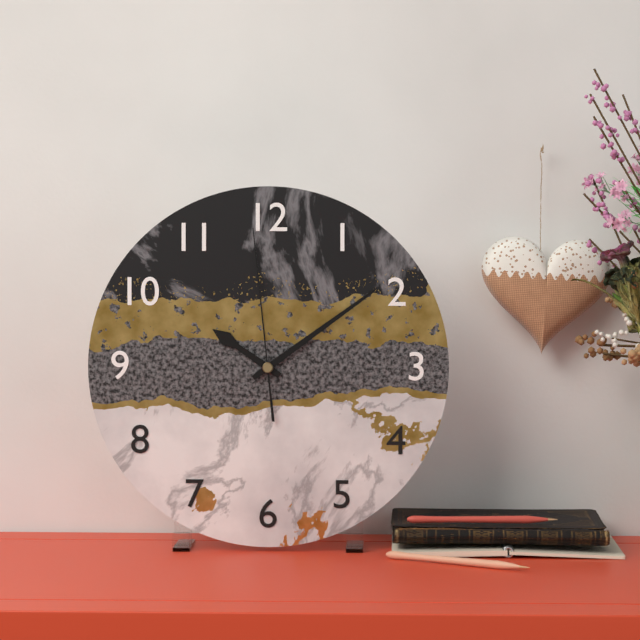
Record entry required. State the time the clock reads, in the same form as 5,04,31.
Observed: 10,09,59
